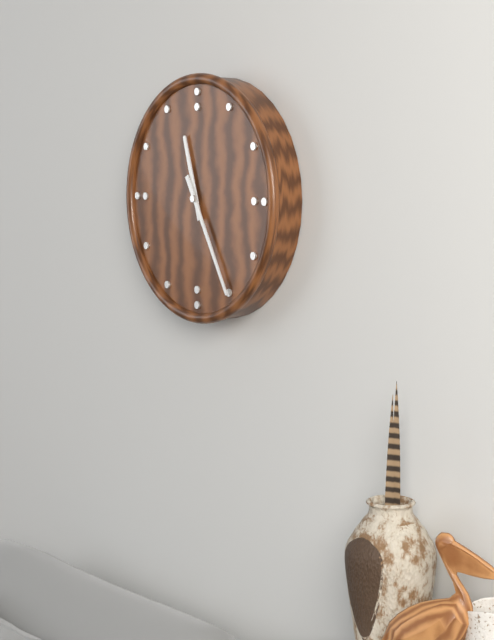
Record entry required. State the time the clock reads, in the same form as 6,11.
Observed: 11,25
